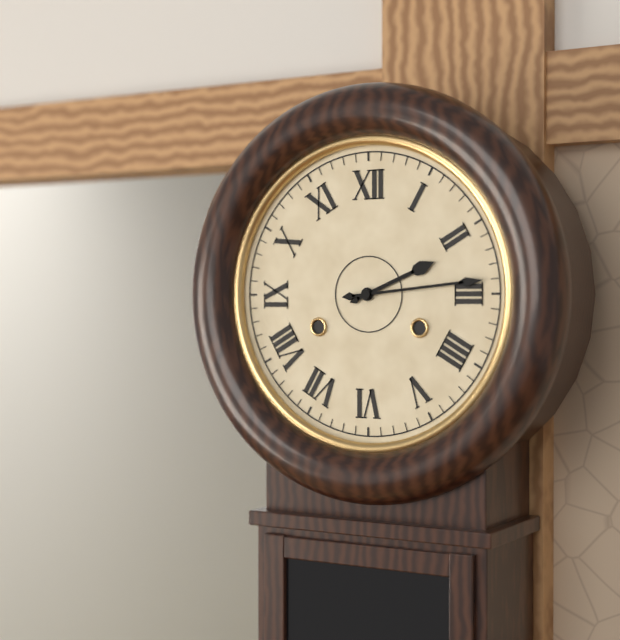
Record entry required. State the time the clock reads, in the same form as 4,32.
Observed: 2,14
